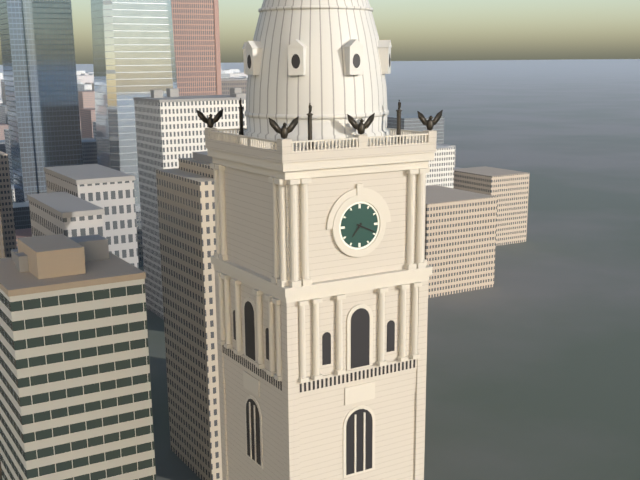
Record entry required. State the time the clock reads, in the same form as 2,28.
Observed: 7,19
